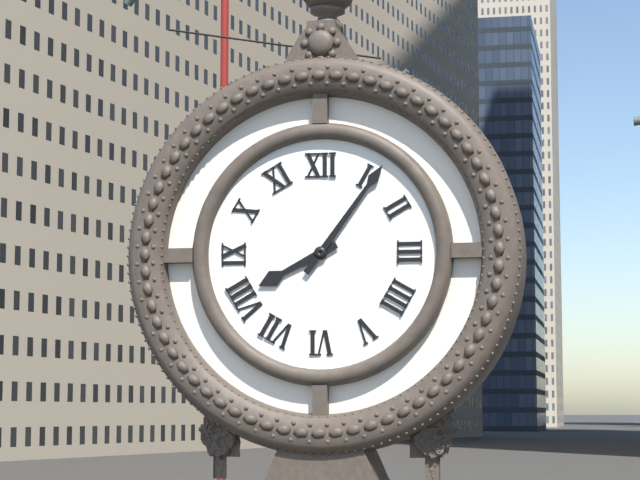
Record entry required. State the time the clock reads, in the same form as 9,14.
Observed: 8,06
